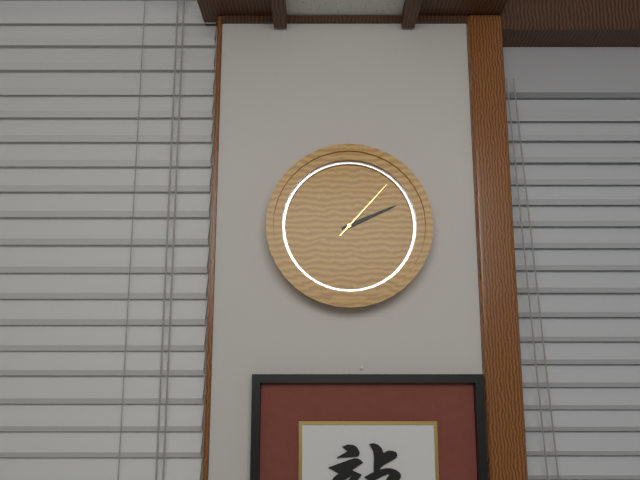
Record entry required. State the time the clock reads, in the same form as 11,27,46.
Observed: 2,11,07
